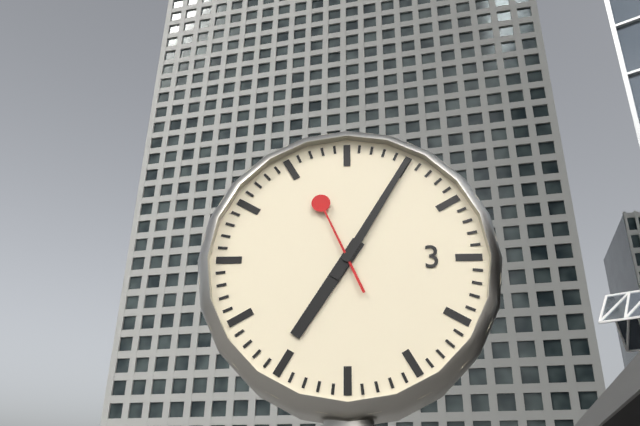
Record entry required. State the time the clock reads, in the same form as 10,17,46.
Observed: 7,05,56
